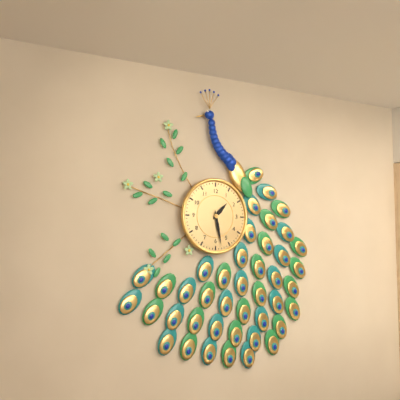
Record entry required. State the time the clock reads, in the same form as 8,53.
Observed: 1,28
